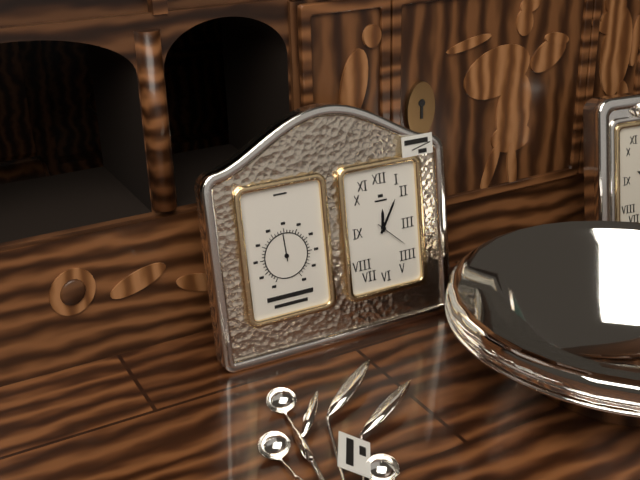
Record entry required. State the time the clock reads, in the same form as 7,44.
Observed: 12,05
